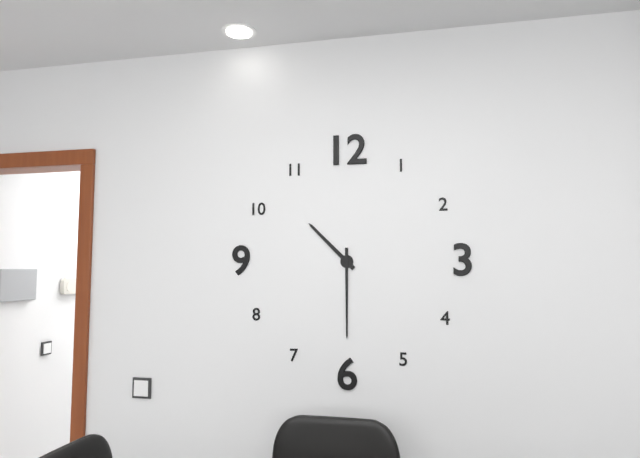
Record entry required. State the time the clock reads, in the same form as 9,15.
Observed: 10,30
